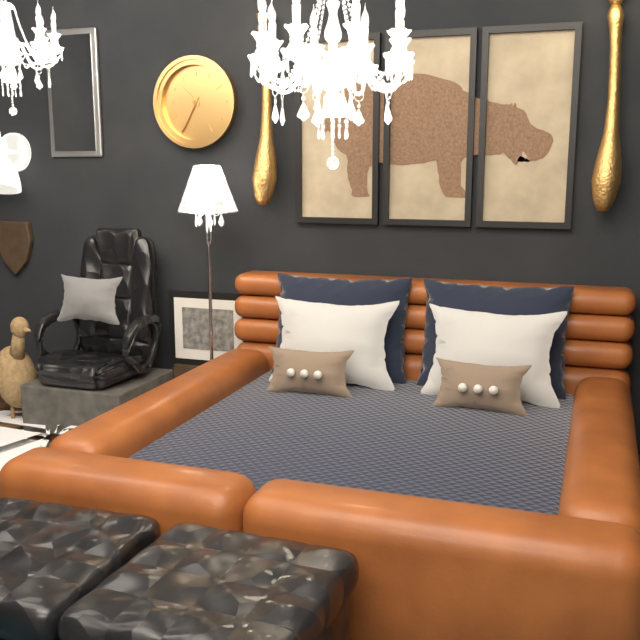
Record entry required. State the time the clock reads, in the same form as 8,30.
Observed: 10,35
